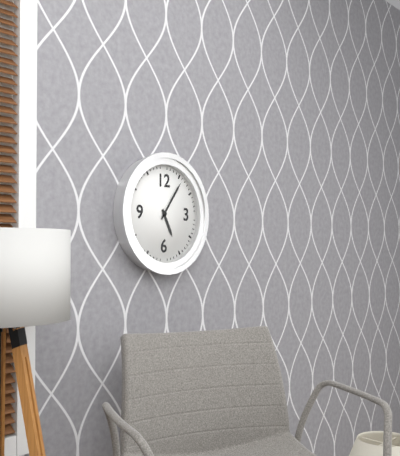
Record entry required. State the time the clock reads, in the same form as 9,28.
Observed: 5,06
